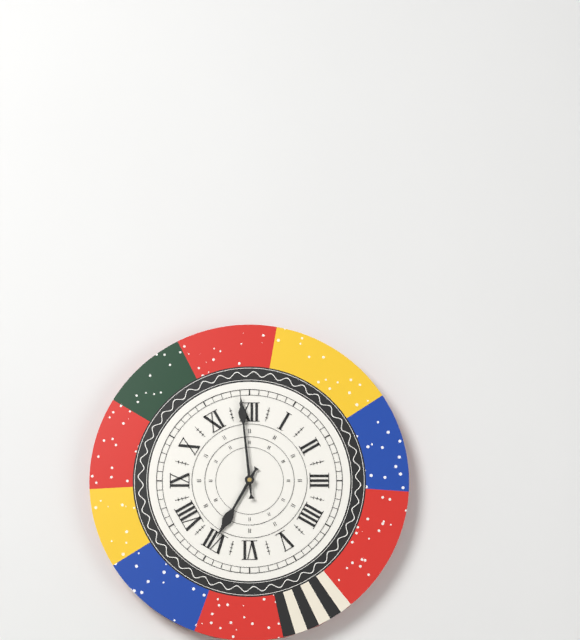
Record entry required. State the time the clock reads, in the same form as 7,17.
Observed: 6,59
